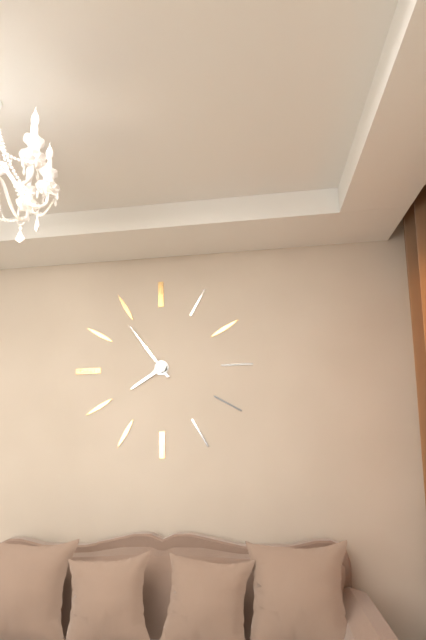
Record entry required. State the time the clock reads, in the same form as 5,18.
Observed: 7,54
